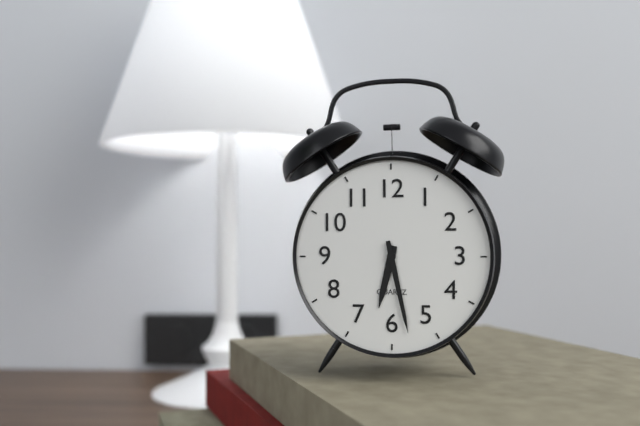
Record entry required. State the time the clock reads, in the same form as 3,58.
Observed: 6,28
